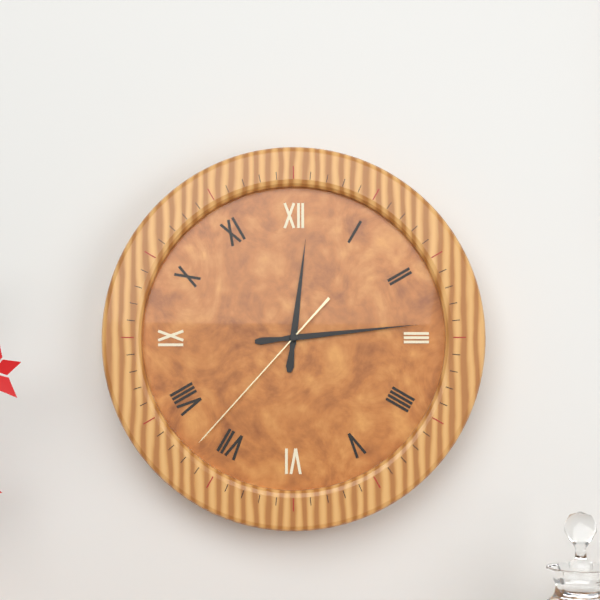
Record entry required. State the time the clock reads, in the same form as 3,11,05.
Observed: 12,14,37
